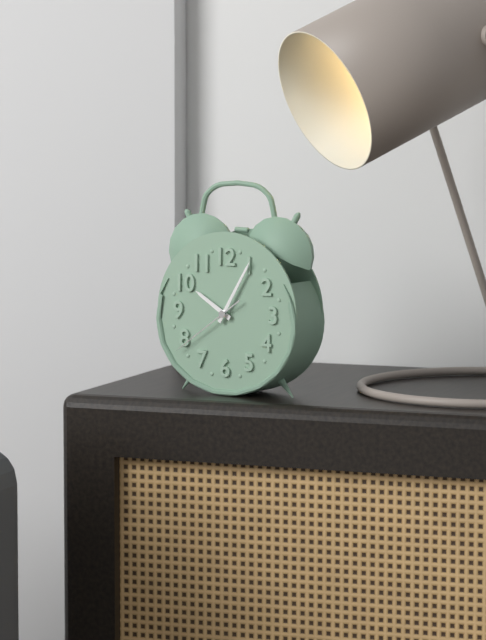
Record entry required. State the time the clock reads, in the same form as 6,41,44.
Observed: 10,05,39
